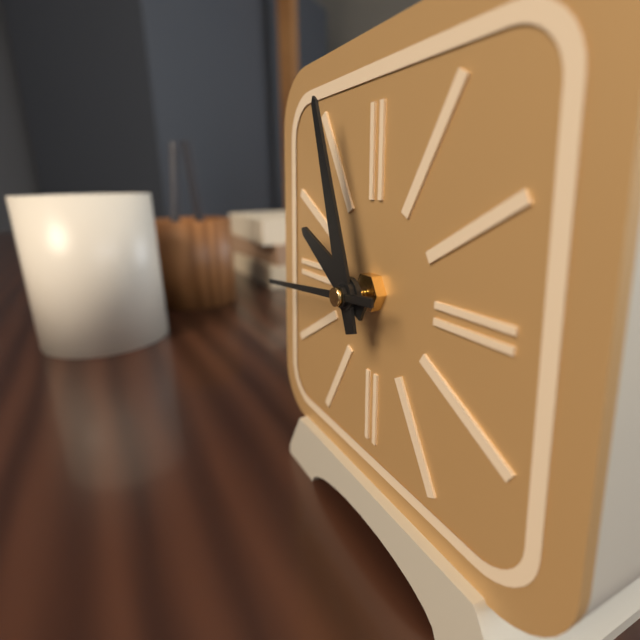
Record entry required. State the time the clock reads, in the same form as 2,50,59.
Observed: 9,57,44
